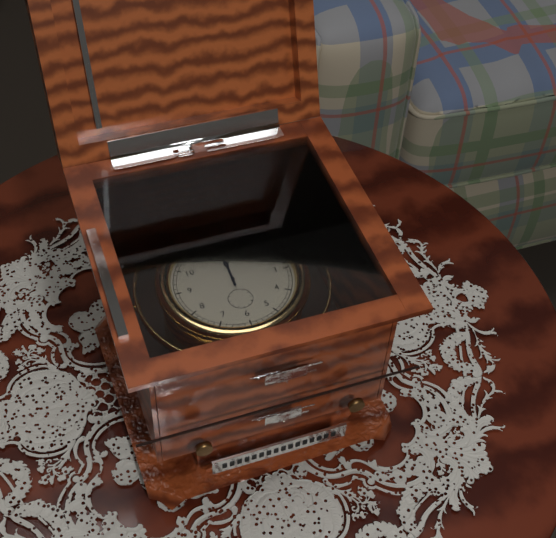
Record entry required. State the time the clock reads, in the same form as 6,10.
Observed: 12,00
